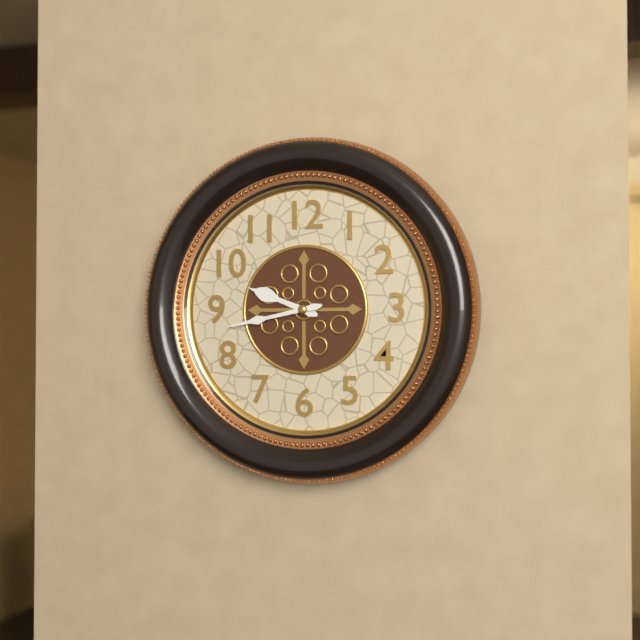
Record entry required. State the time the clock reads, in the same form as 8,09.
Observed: 9,43
